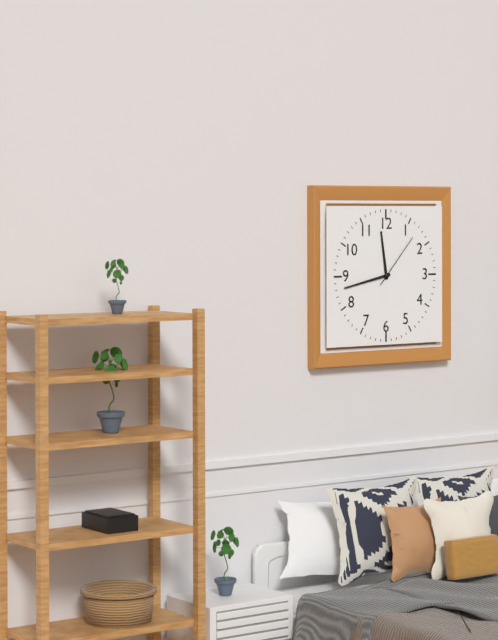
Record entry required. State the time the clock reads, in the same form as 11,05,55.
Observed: 11,43,07
